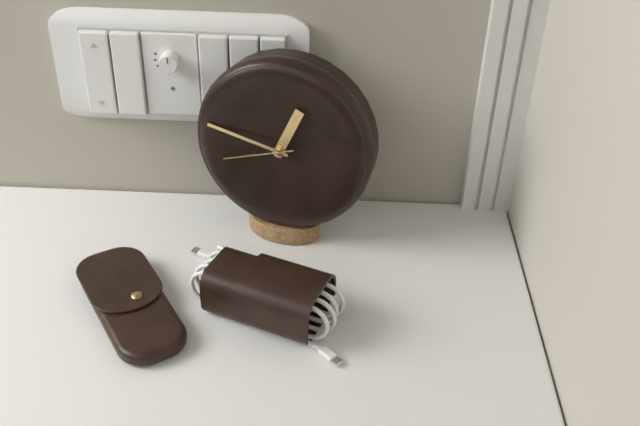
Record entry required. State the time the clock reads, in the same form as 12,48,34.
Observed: 12,47,42
